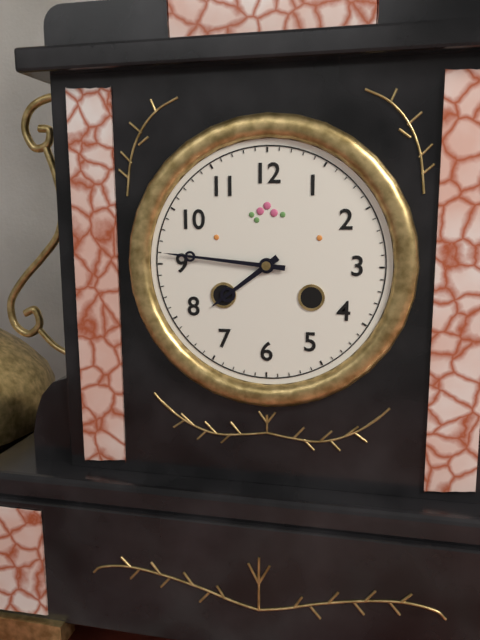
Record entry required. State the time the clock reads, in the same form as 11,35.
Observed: 7,46
